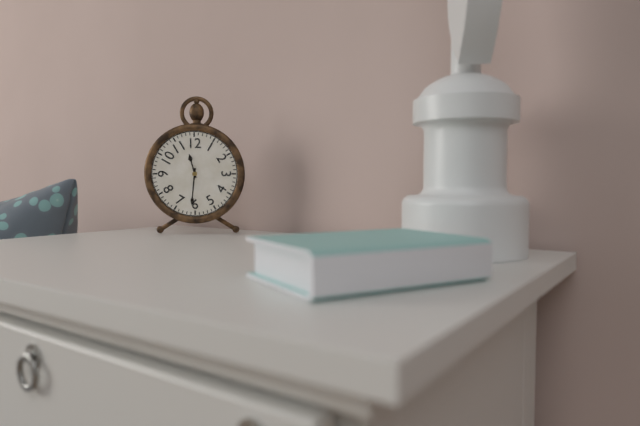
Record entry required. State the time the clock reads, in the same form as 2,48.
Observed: 11,31
